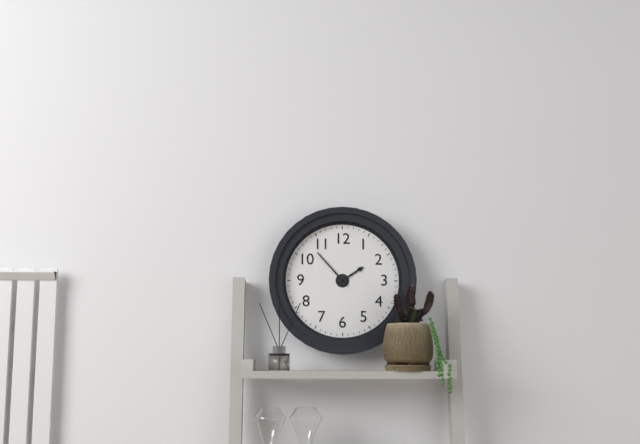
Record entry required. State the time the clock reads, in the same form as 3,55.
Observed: 1,53
